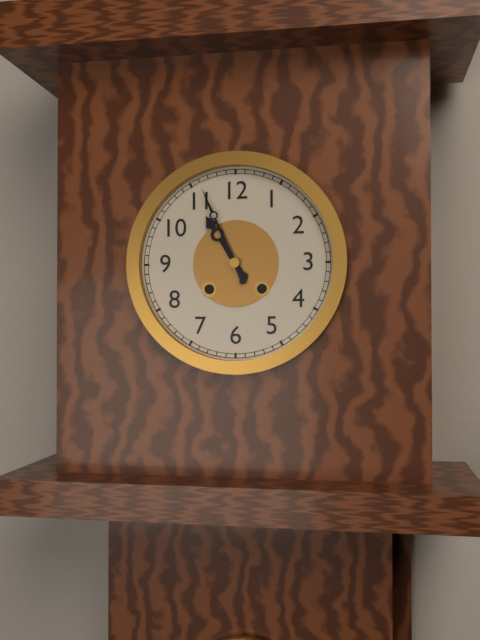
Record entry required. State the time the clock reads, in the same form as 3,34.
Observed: 10,56
